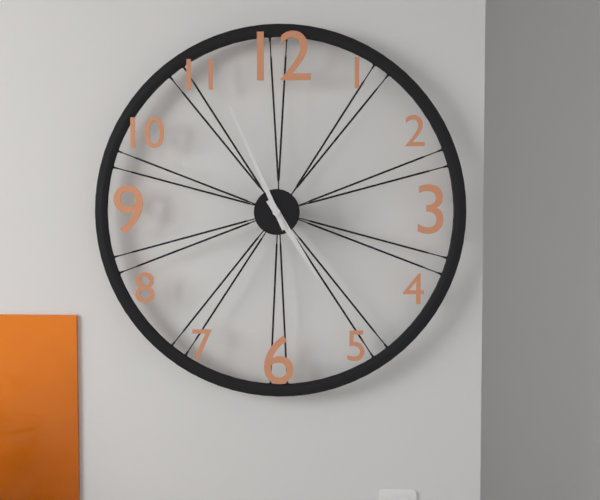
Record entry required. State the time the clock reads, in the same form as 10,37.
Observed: 4,56
